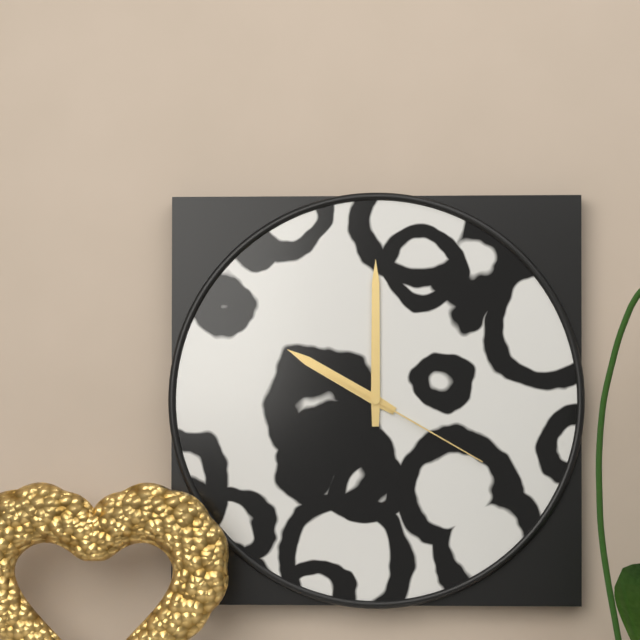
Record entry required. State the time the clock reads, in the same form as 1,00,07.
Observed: 10,00,20
